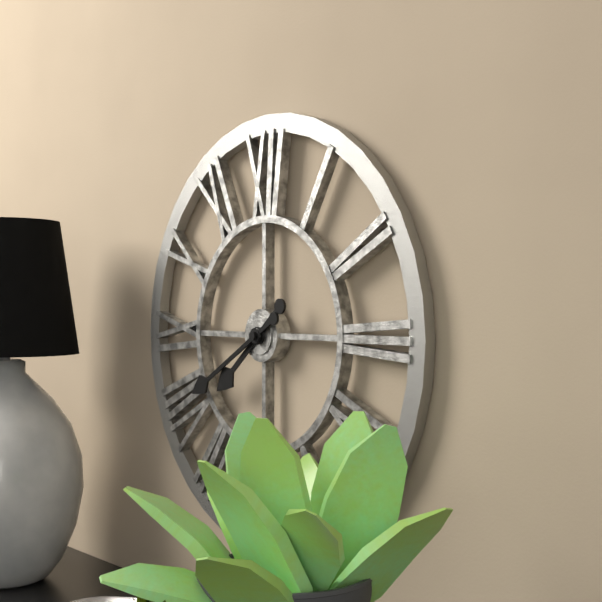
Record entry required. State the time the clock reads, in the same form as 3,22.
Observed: 7,40
